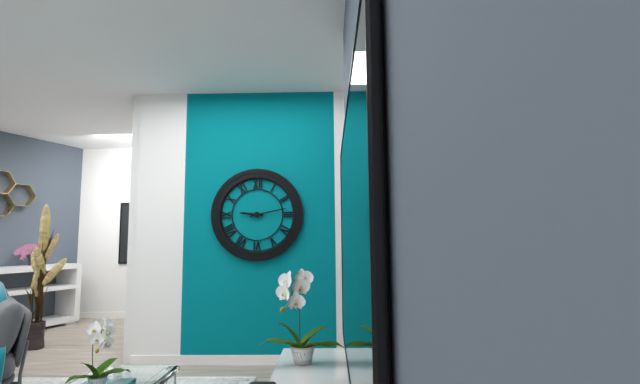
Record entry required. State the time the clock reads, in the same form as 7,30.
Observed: 9,13
